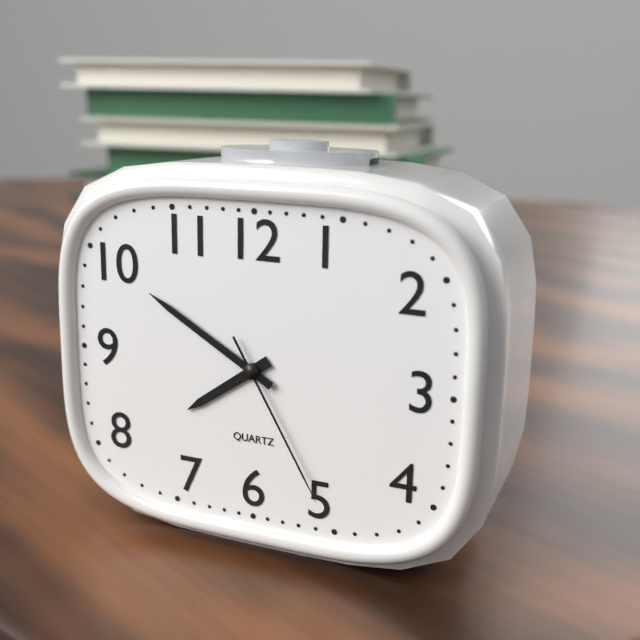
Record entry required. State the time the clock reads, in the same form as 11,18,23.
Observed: 7,50,25
